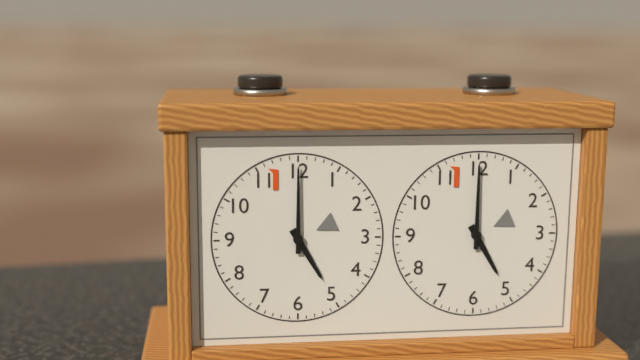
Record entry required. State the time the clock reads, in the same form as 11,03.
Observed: 5,00
